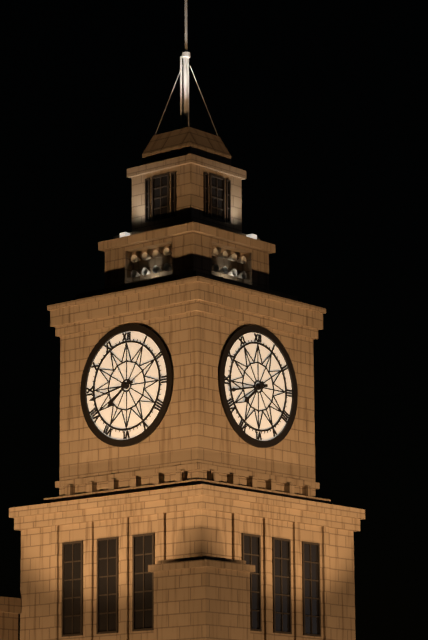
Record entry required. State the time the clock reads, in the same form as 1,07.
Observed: 7,43
